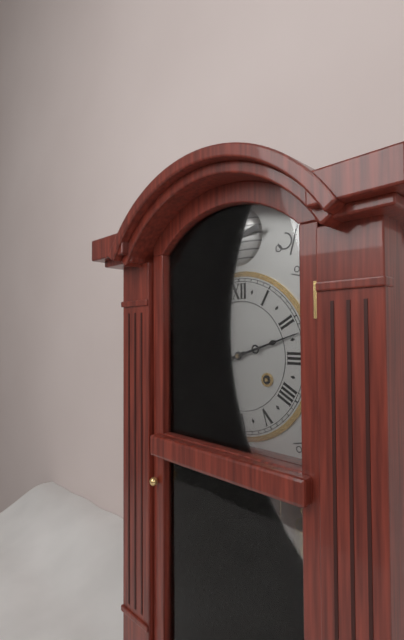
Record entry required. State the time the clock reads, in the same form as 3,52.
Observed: 8,12
